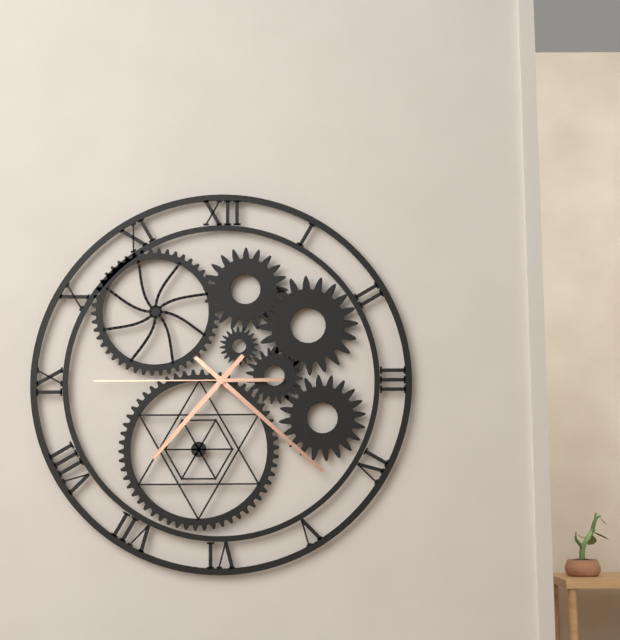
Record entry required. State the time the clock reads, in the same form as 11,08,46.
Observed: 7,22,45
